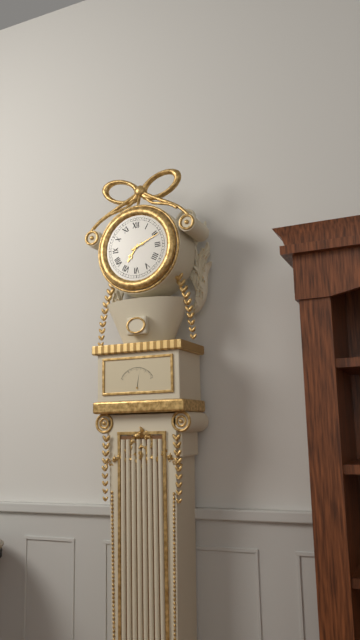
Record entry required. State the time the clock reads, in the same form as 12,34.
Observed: 7,11
